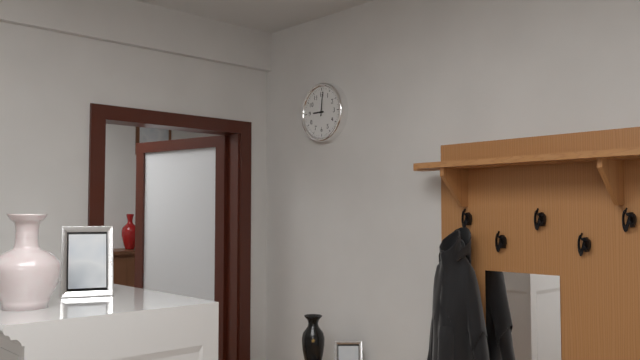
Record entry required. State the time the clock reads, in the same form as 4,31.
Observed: 9,01
